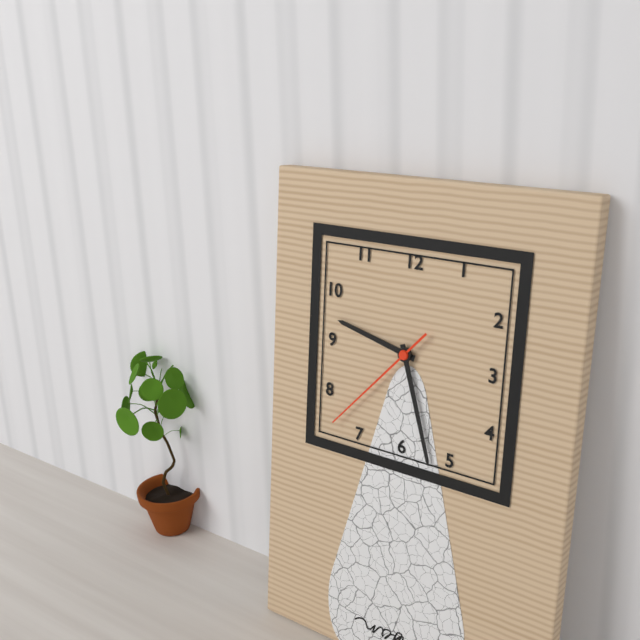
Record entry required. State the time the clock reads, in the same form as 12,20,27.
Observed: 9,27,37
